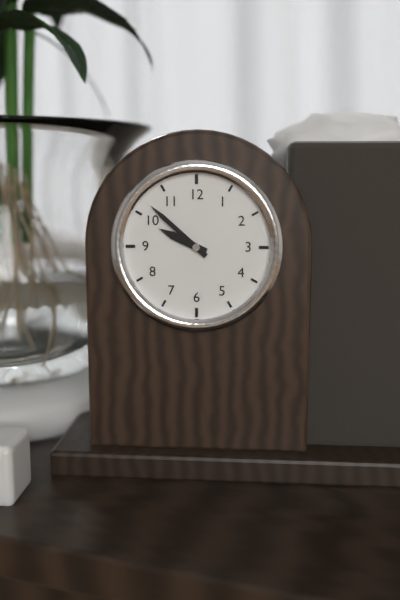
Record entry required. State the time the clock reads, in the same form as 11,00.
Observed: 9,52
